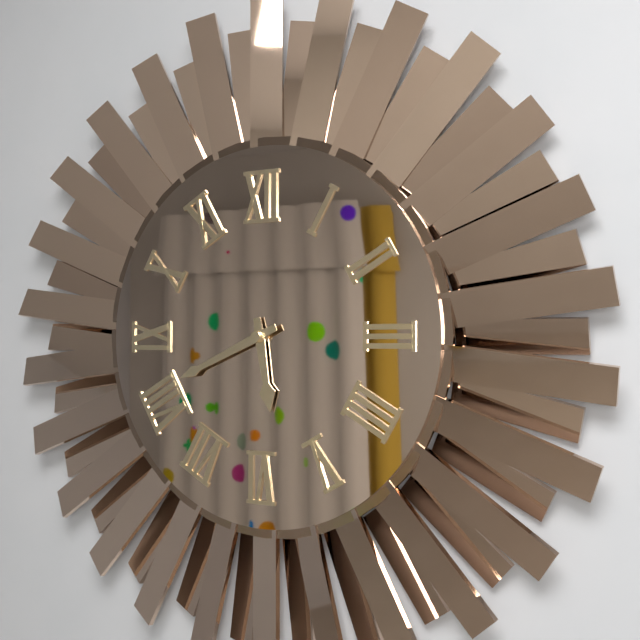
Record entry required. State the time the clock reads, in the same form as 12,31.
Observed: 5,41
